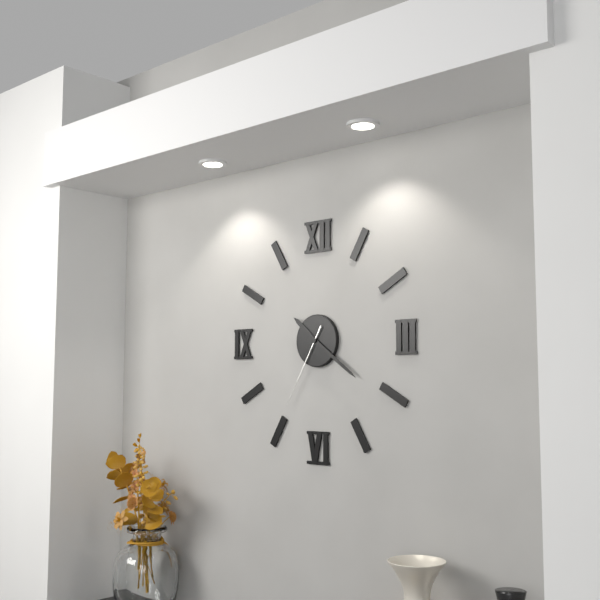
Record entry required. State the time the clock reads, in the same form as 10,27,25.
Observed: 10,21,35
